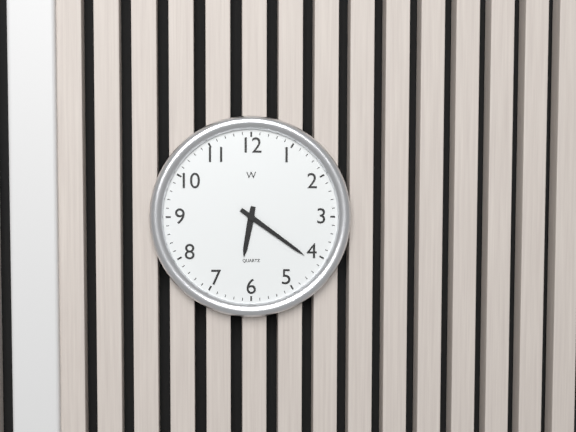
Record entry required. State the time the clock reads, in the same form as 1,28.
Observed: 6,21
